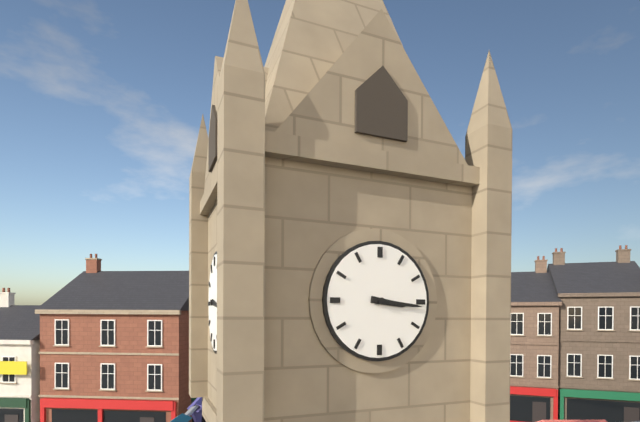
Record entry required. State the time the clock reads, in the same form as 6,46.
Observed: 3,16
